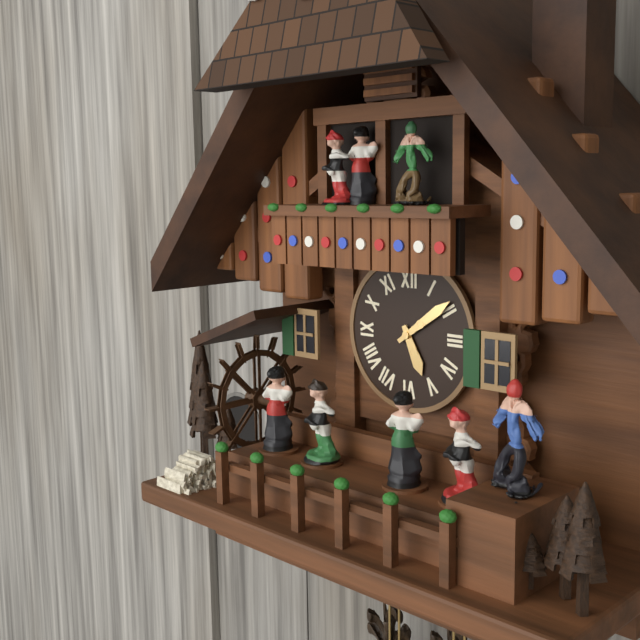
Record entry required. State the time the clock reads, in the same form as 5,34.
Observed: 5,09
